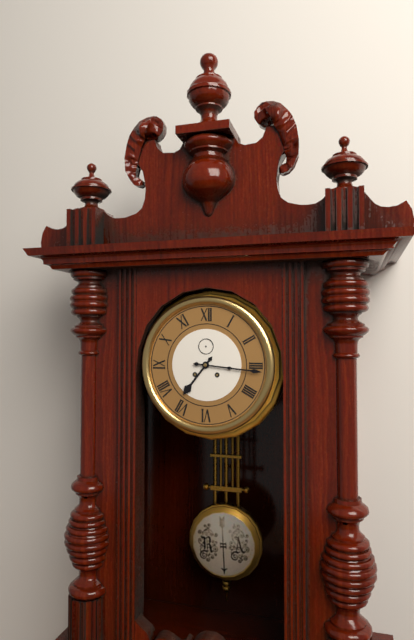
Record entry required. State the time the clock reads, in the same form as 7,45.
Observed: 7,16
